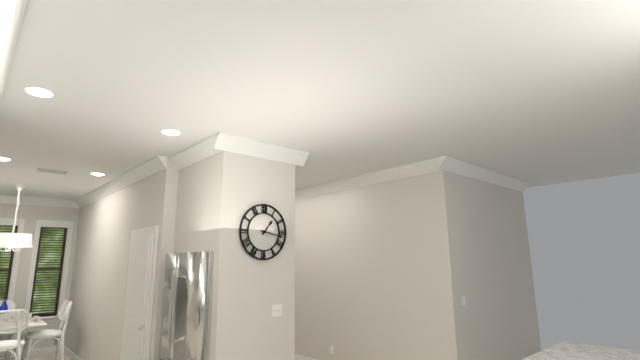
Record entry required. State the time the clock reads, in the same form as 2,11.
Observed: 1,17
